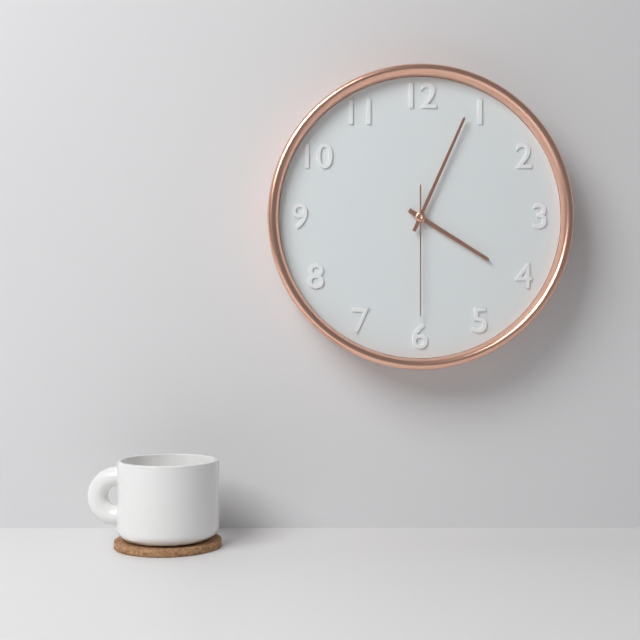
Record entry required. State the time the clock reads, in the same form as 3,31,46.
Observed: 4,04,30
